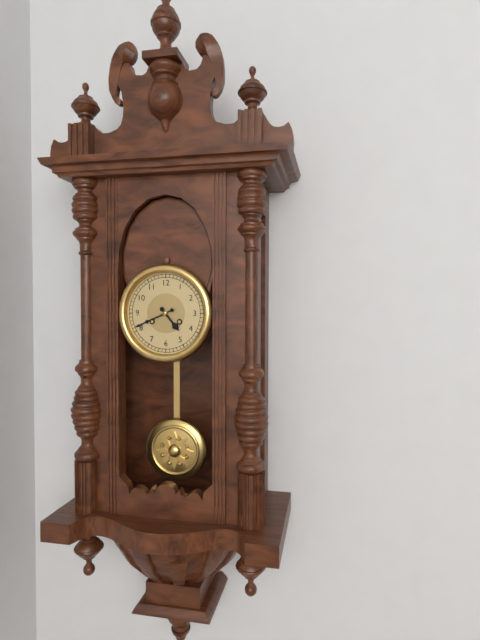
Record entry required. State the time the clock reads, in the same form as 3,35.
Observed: 4,41
